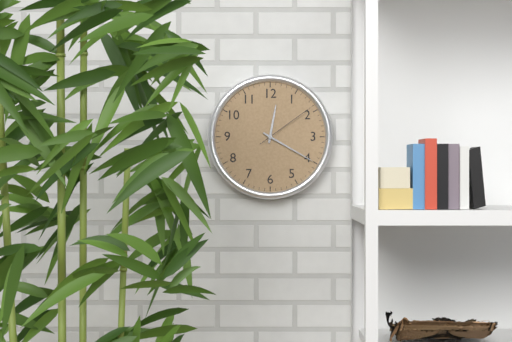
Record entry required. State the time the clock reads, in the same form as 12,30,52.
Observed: 12,20,09
